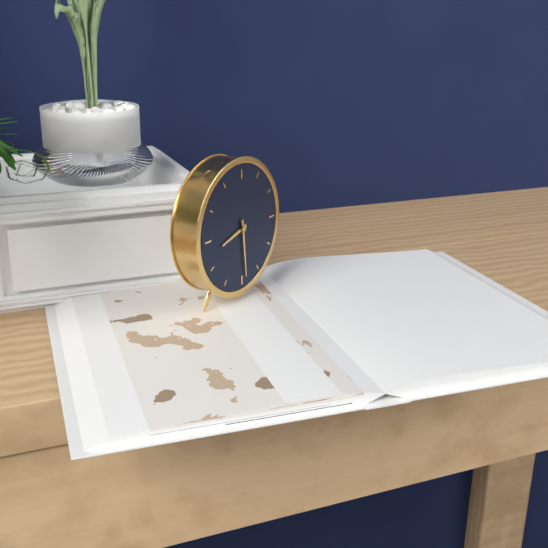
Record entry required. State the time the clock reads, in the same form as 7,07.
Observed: 8,29
